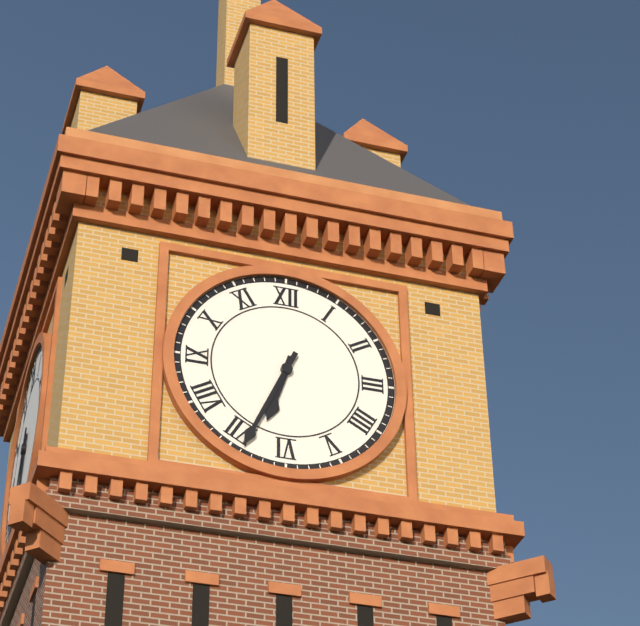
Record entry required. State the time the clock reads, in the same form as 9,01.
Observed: 6,34
